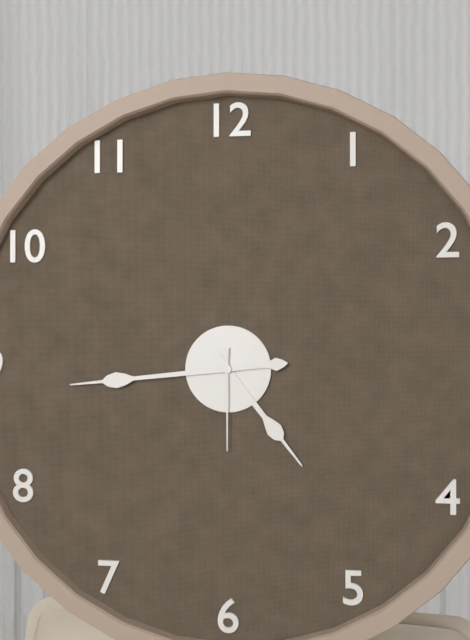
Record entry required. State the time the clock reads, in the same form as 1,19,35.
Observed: 4,44,30
